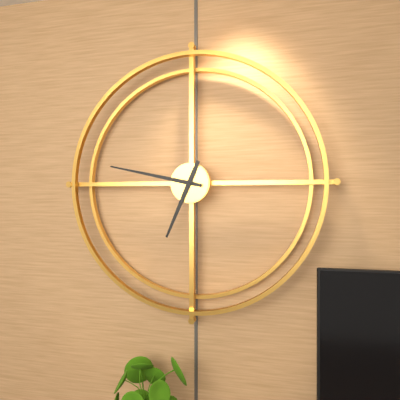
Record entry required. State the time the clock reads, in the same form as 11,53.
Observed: 6,47
